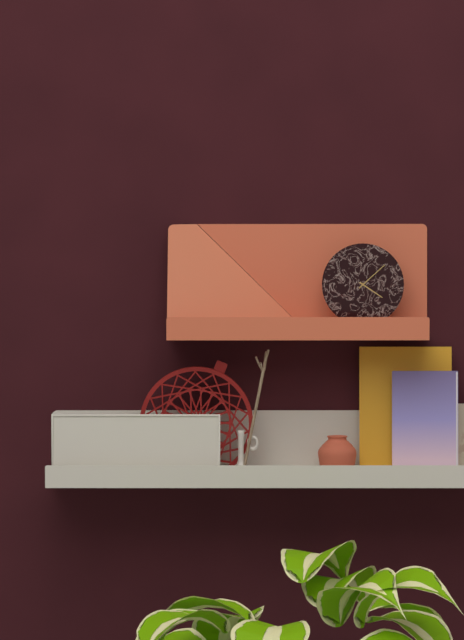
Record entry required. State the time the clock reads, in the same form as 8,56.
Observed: 4,08
